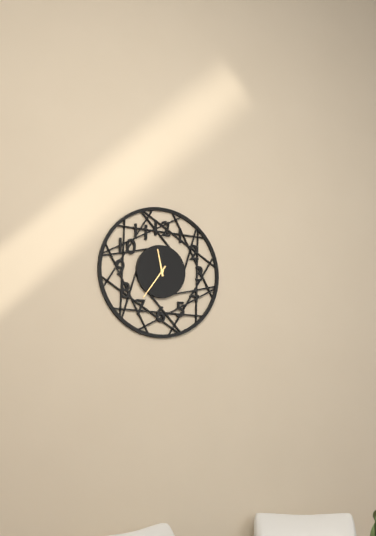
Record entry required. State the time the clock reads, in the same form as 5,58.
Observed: 11,36
